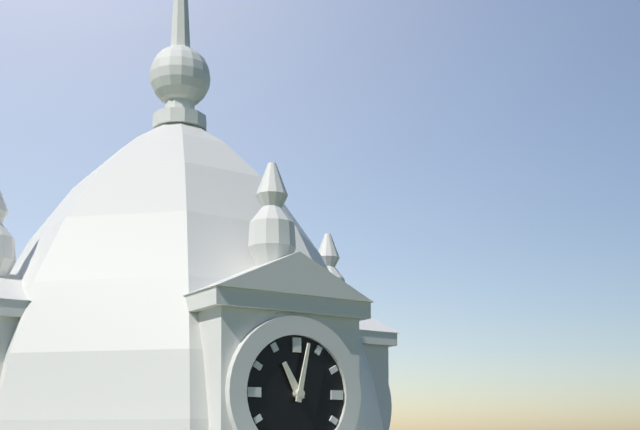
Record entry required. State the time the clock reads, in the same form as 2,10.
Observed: 11,02
